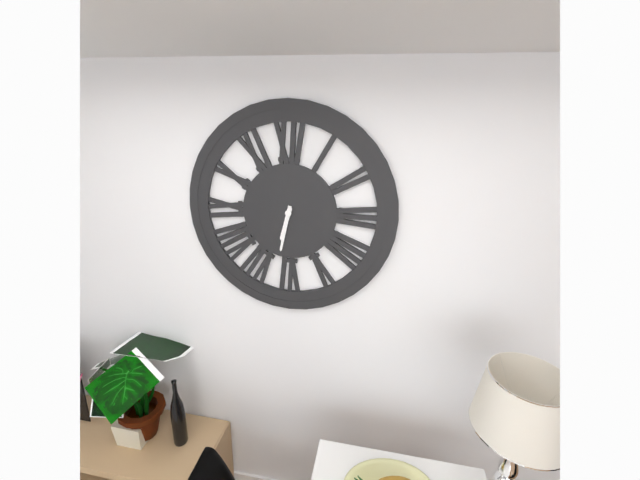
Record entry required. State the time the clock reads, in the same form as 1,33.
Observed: 6,32
